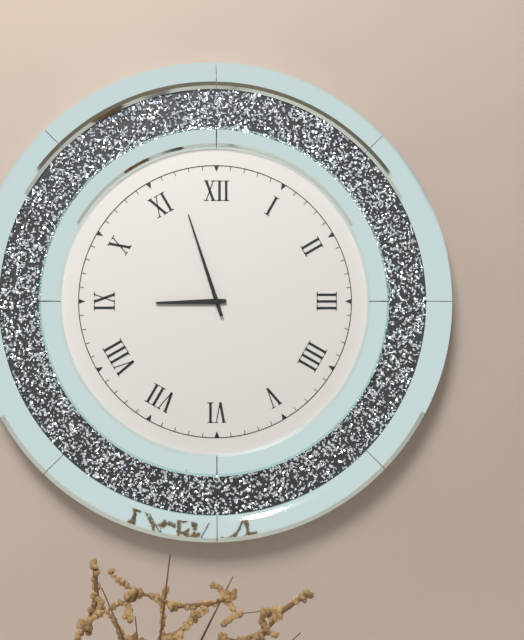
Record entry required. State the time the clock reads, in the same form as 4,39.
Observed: 8,57
